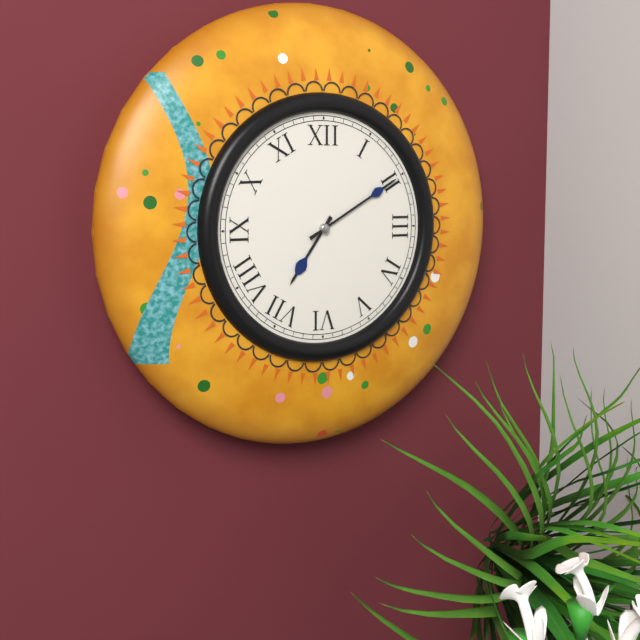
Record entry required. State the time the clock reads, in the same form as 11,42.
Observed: 7,10
